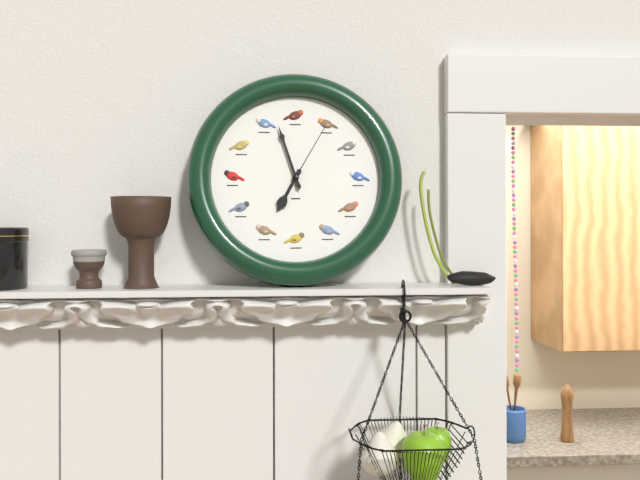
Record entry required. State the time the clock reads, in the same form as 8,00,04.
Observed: 6,57,05
